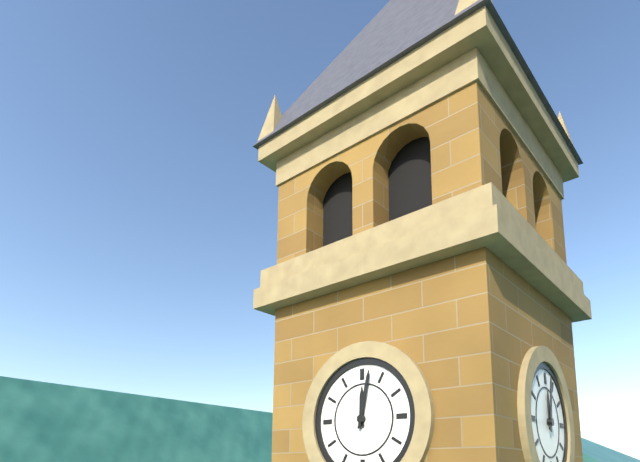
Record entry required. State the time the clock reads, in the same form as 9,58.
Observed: 12,02
